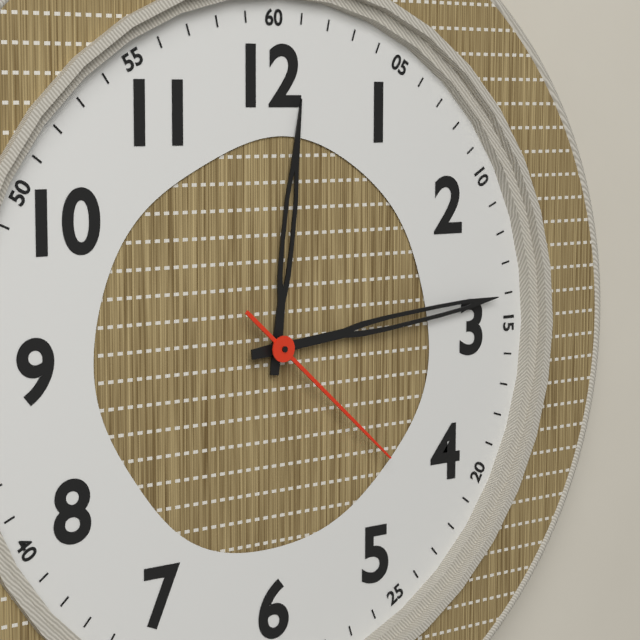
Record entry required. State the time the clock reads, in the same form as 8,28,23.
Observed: 12,14,22
